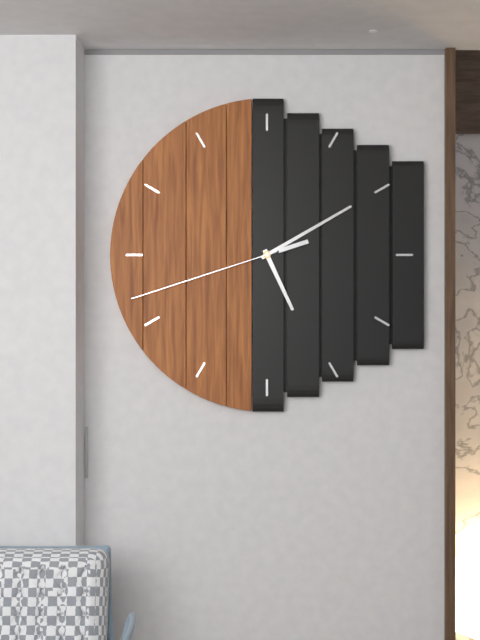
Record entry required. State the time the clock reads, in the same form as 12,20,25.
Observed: 5,10,42
